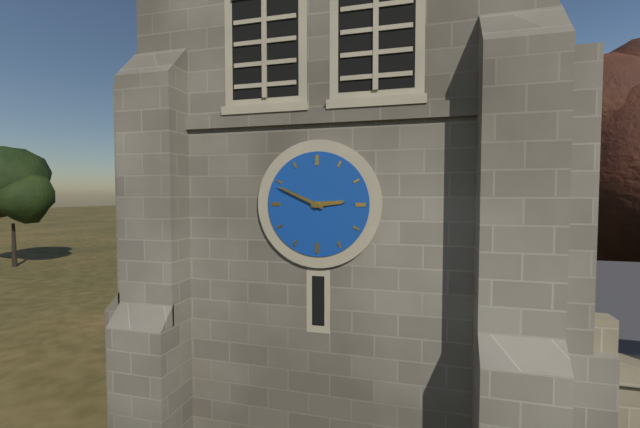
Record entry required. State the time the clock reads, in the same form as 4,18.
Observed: 2,49
